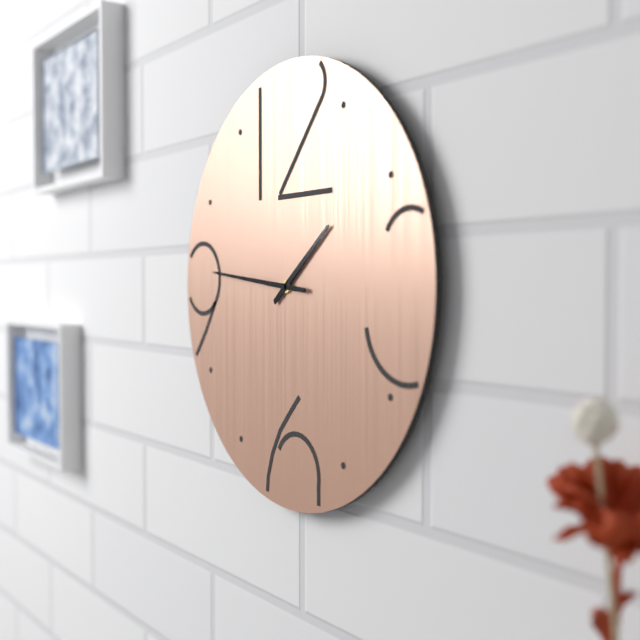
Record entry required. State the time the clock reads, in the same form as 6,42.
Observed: 1,46
